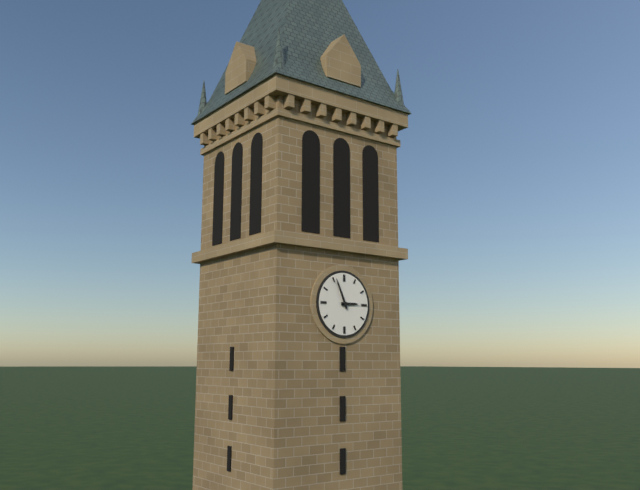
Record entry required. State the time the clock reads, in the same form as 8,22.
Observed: 2,56
